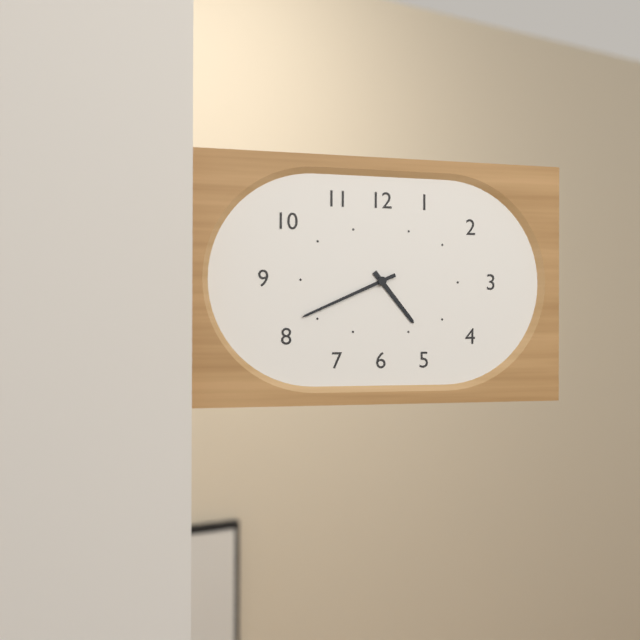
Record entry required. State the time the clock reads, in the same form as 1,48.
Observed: 4,41
